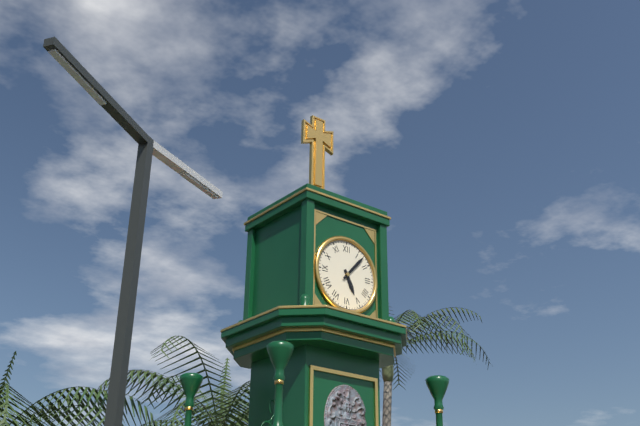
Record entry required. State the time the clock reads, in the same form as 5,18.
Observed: 5,07
